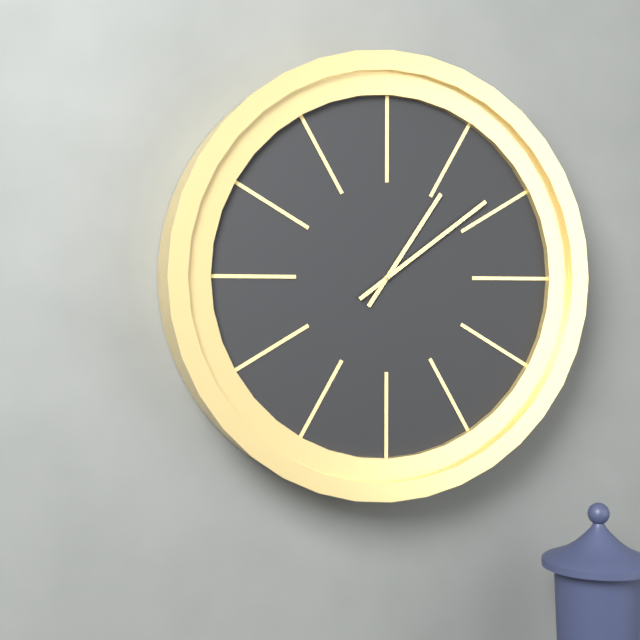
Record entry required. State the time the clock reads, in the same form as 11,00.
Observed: 1,09
